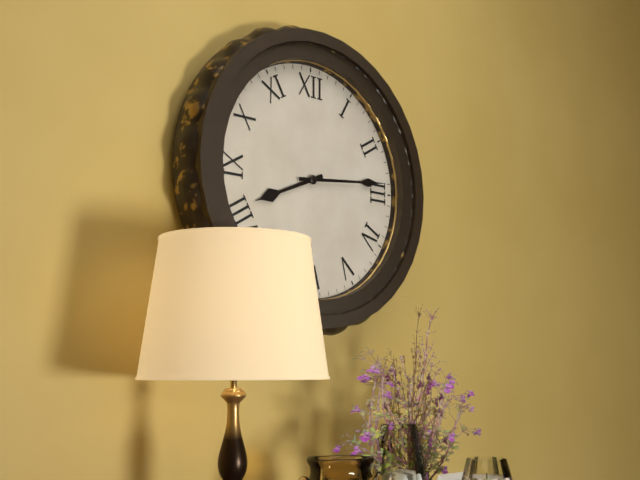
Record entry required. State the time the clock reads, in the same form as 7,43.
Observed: 8,14
